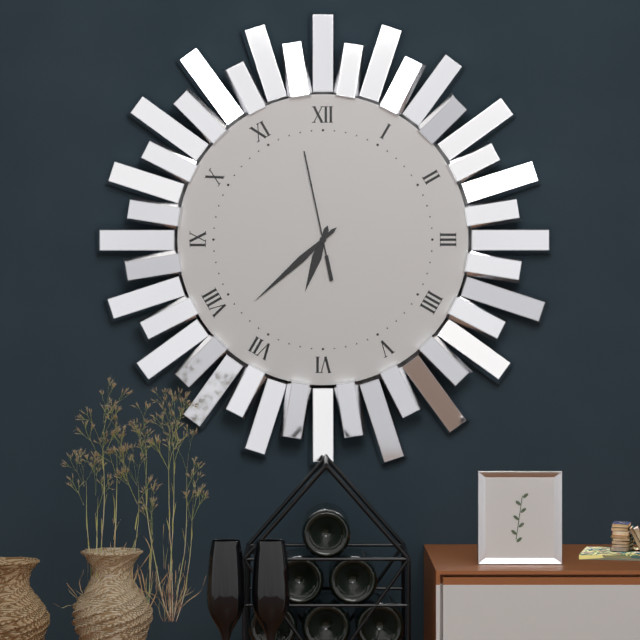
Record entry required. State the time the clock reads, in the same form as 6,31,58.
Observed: 6,38,58
